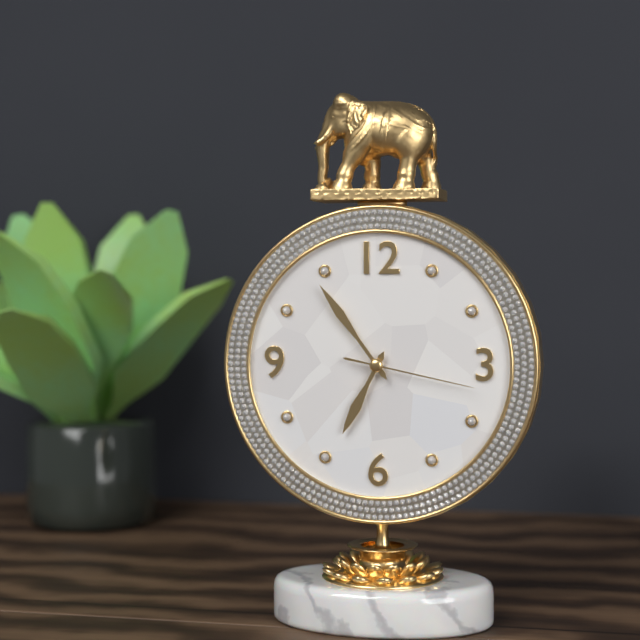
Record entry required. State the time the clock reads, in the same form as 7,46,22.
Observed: 6,54,17
